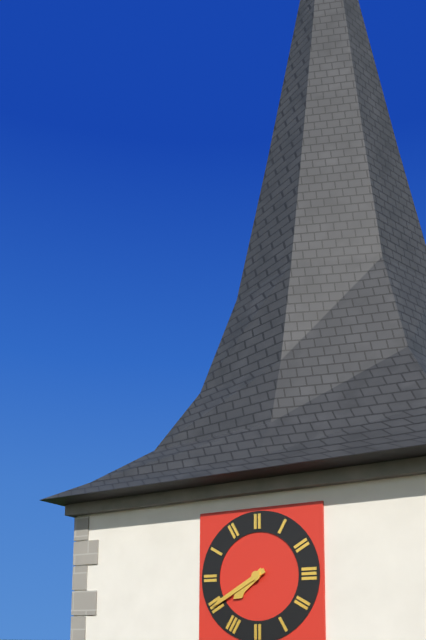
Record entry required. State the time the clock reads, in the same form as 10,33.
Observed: 7,40
